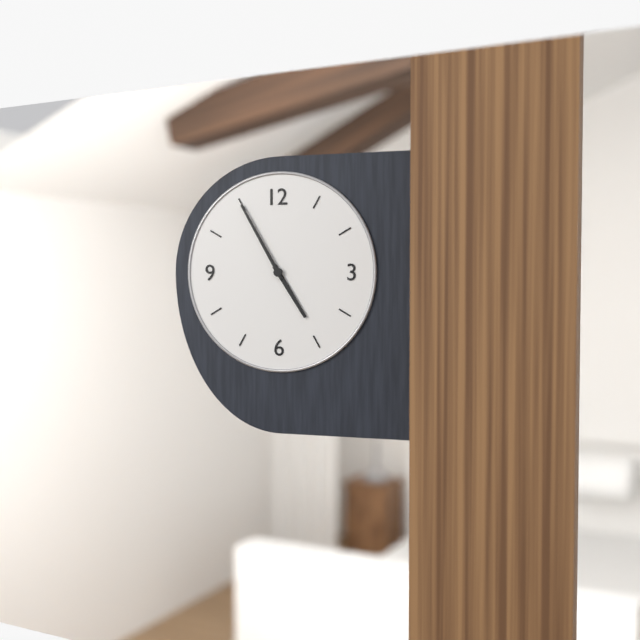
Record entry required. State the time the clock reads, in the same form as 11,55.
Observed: 4,55
